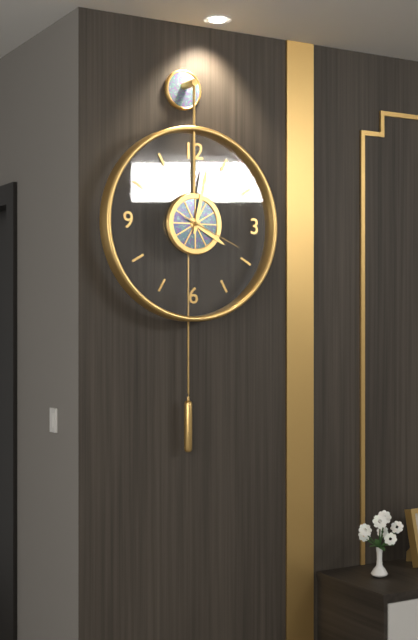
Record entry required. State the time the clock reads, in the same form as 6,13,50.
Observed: 4,02,19
